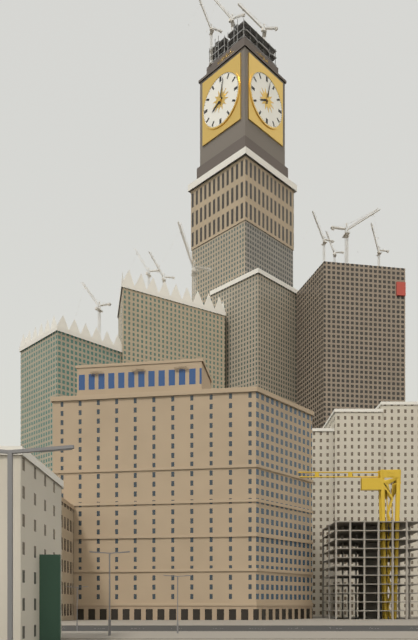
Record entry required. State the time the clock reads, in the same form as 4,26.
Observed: 8,02
